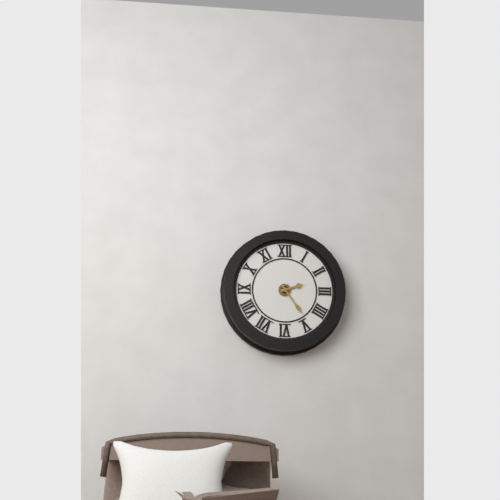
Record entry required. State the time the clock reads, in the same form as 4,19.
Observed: 2,24
